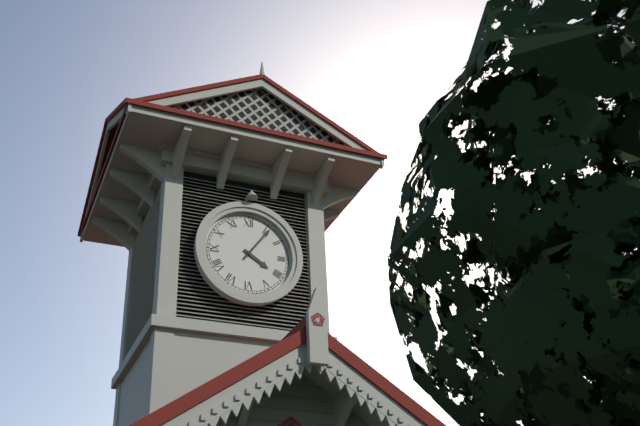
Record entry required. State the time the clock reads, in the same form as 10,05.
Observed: 4,06
